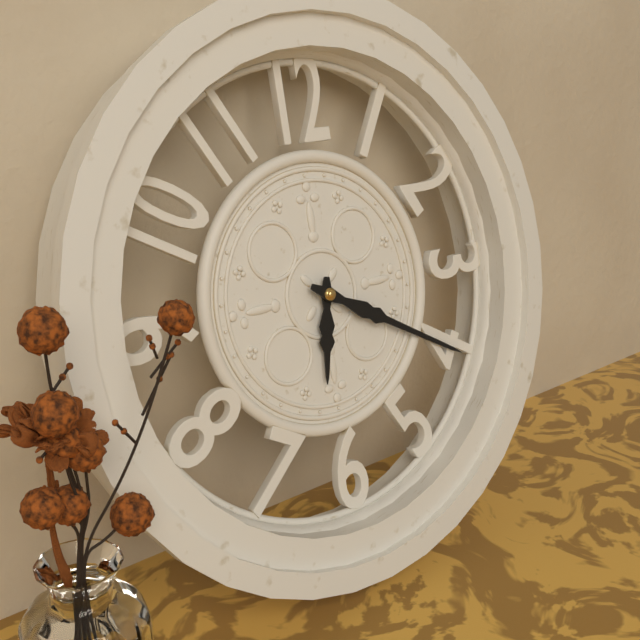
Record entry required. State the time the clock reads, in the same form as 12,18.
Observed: 6,20
